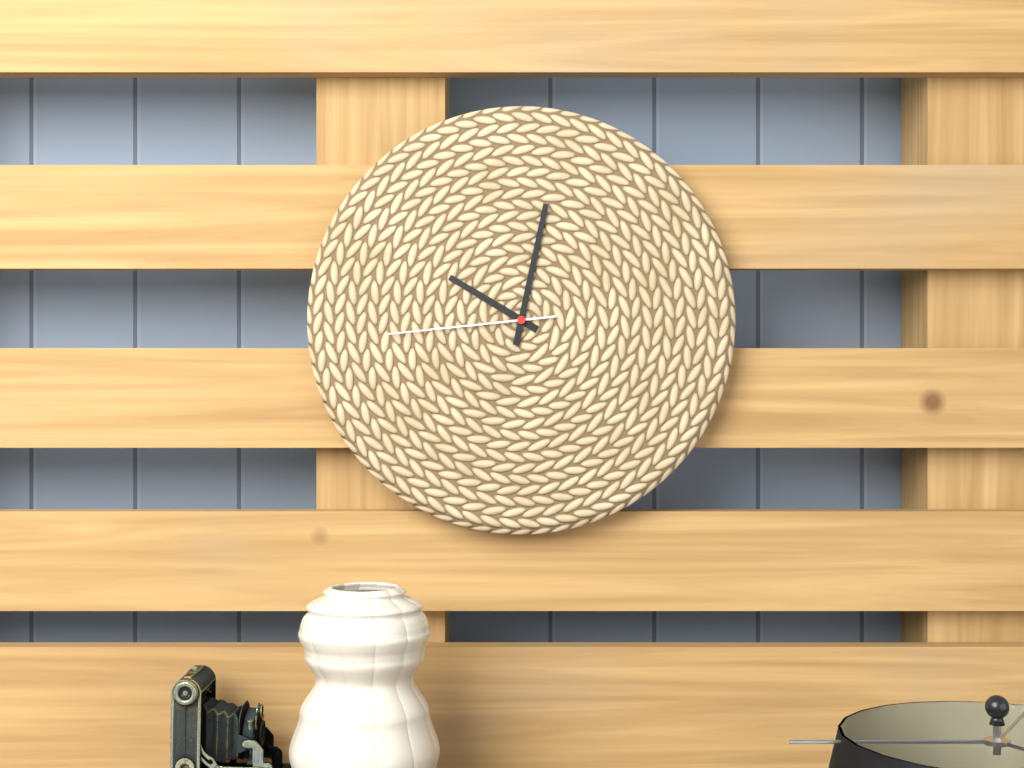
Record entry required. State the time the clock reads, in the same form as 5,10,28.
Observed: 10,02,44
